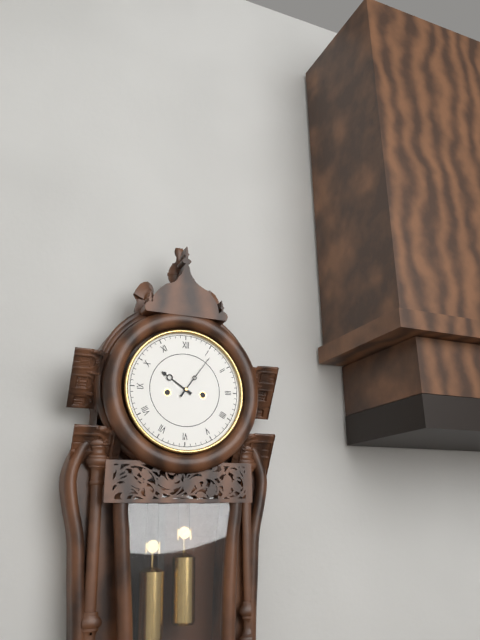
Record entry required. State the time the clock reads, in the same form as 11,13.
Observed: 10,06
